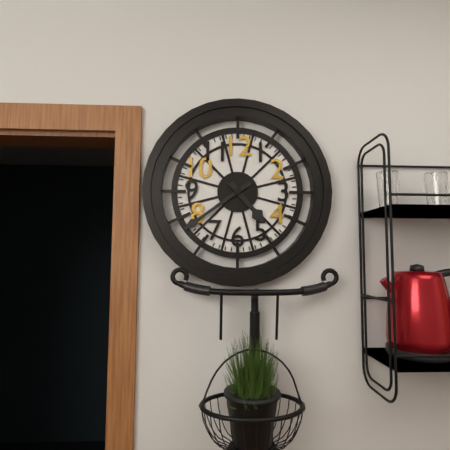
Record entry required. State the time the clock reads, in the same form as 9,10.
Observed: 4,39
